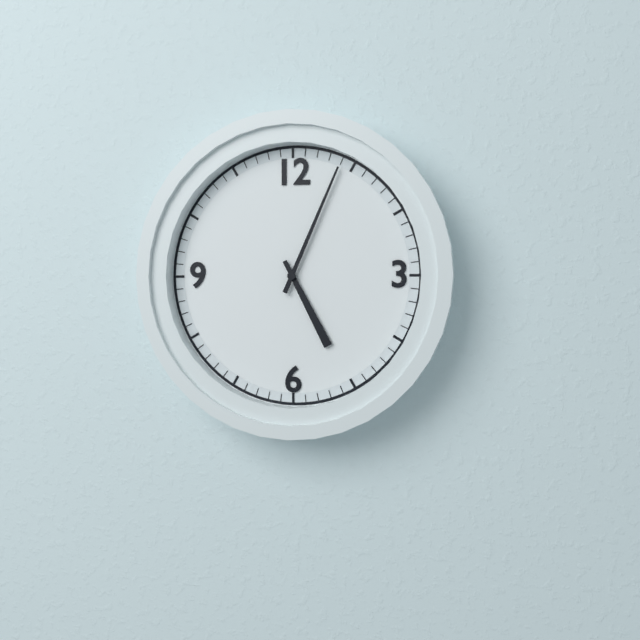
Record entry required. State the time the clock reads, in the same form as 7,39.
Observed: 5,04
